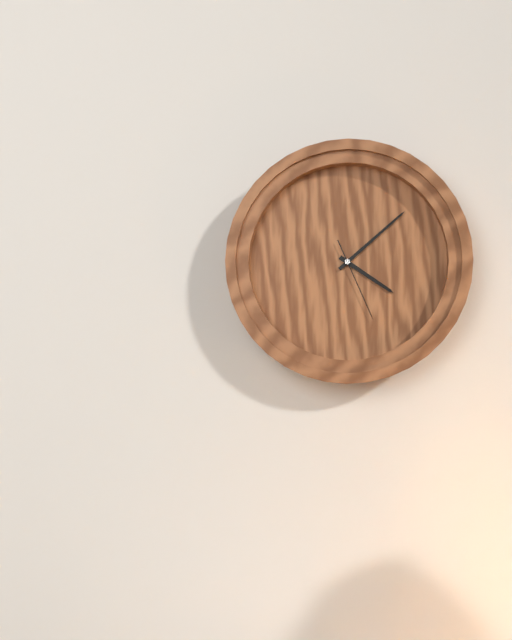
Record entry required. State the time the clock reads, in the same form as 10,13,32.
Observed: 4,08,26
